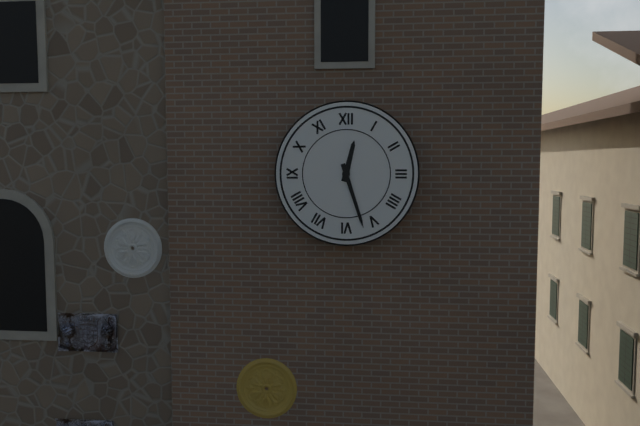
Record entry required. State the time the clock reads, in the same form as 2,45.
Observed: 12,27
